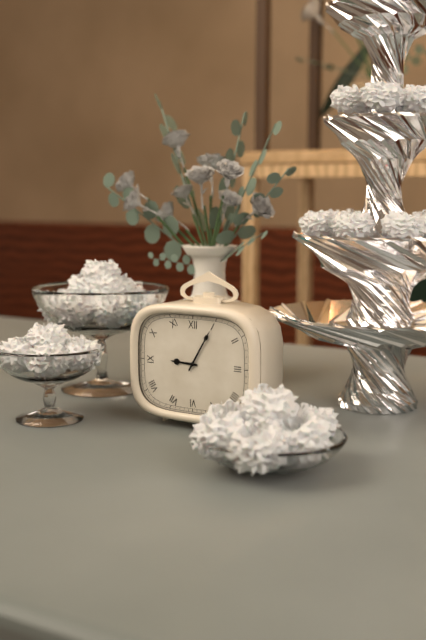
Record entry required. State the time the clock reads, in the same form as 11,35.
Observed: 9,05
